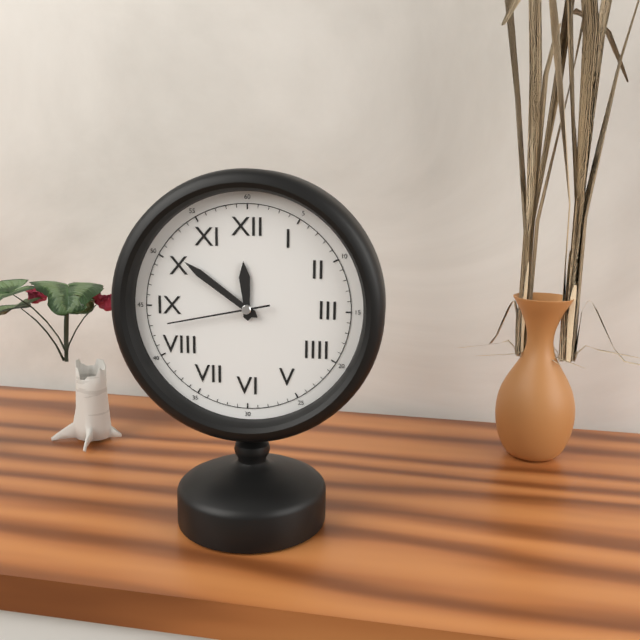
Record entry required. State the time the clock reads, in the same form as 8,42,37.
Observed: 11,51,43
